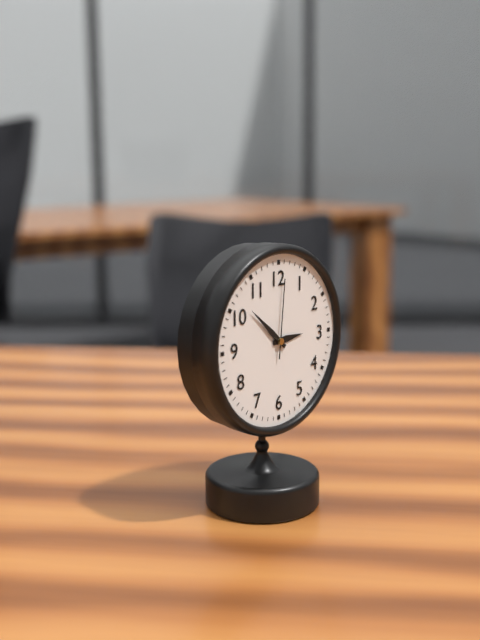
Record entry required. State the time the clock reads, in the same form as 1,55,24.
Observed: 2,52,01
